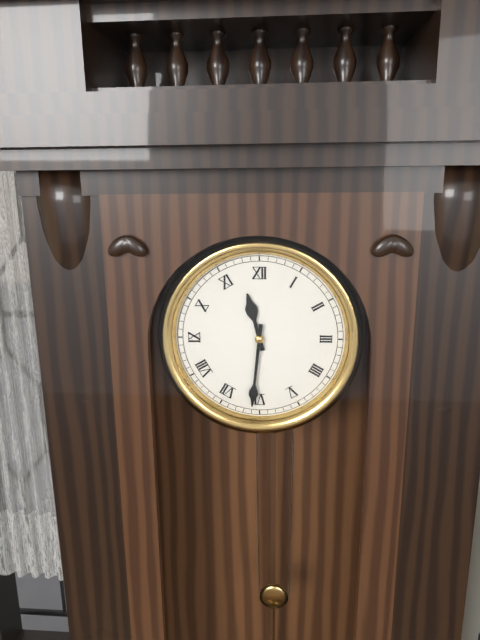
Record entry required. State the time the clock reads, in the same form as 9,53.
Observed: 11,31
